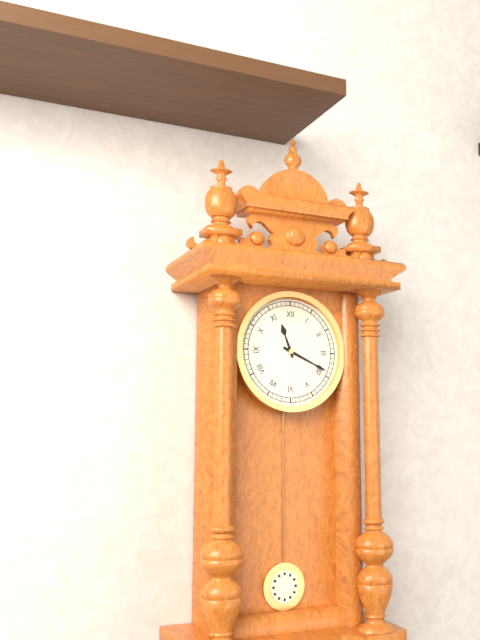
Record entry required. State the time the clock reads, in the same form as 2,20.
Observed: 11,19
